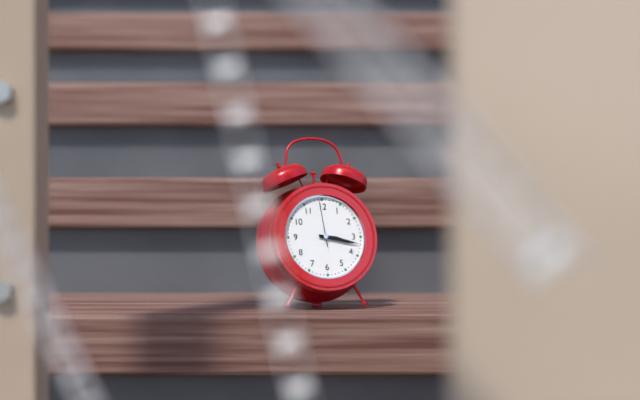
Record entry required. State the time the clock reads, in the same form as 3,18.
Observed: 3,17
